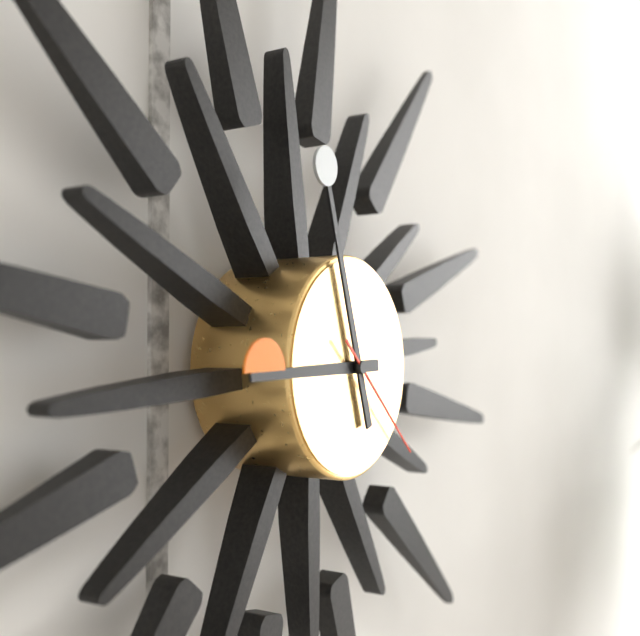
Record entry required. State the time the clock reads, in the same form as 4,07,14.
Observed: 8,57,22
